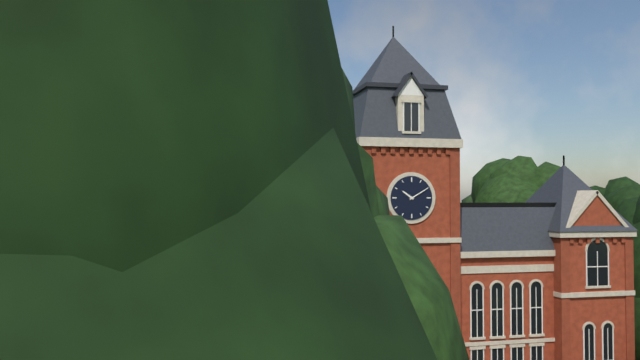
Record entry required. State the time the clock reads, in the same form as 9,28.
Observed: 10,10
